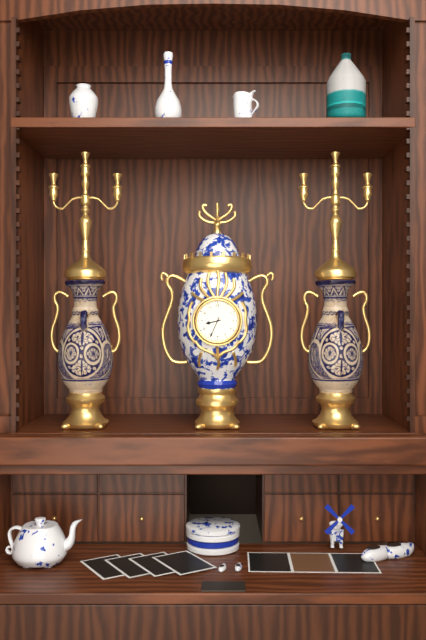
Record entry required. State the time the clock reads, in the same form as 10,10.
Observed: 8,34
